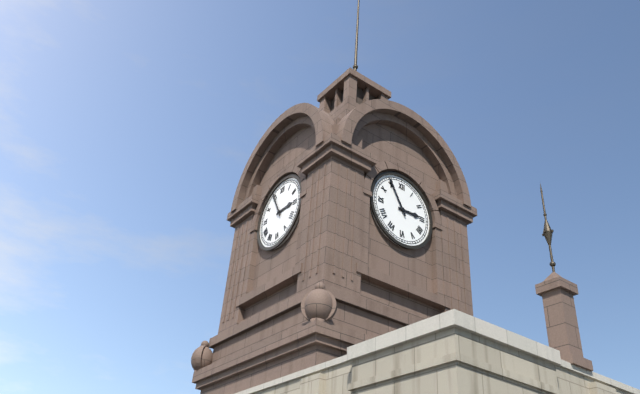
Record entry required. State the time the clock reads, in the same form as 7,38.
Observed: 2,55
